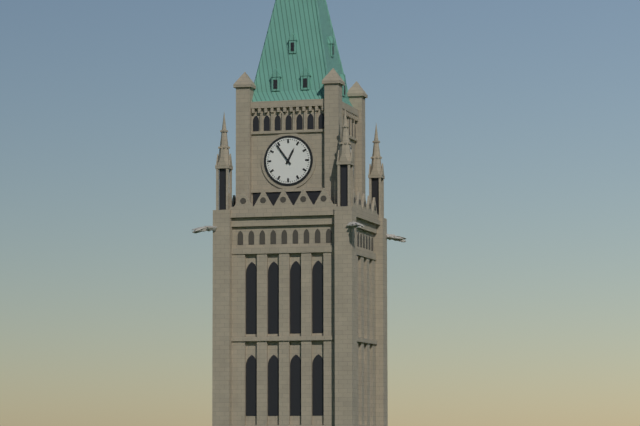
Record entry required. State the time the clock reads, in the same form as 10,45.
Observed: 12,54
